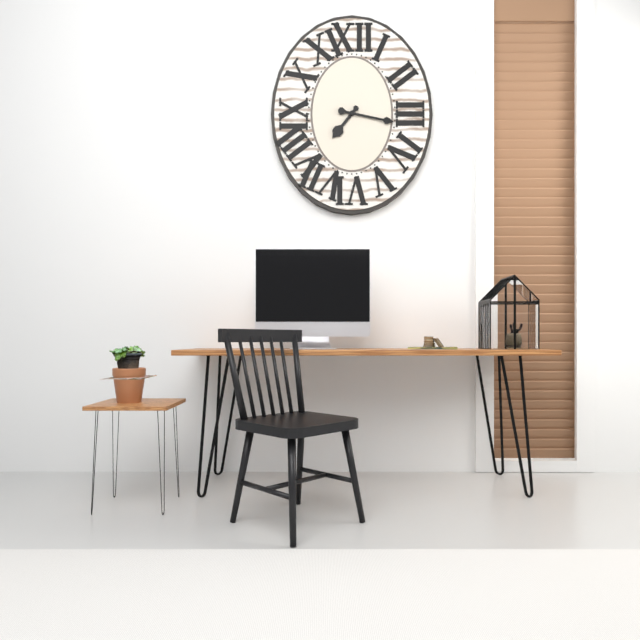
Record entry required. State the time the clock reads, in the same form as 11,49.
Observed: 7,17
